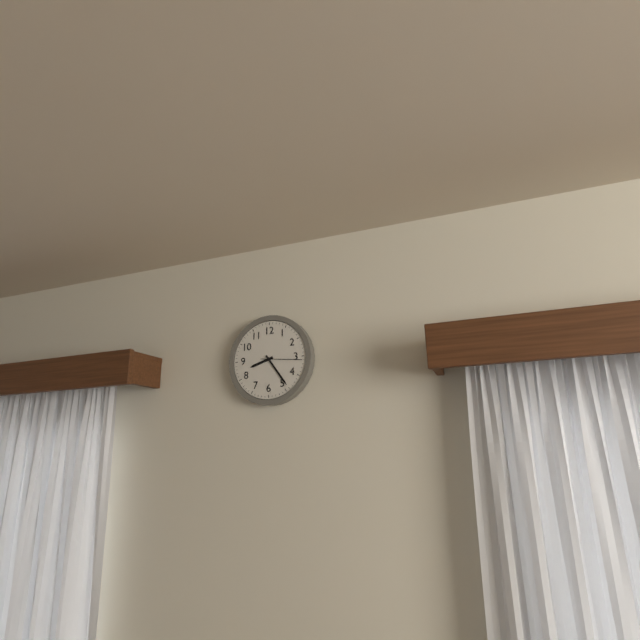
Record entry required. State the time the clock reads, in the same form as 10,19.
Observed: 8,24
